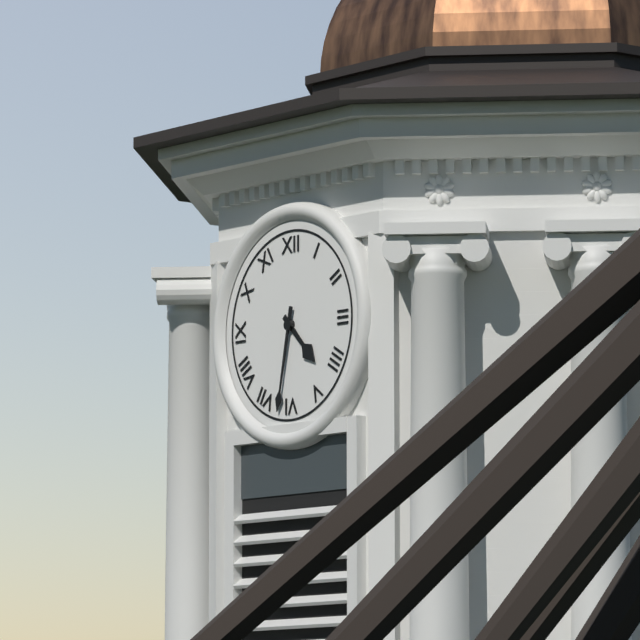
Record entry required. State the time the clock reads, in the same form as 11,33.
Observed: 4,32
